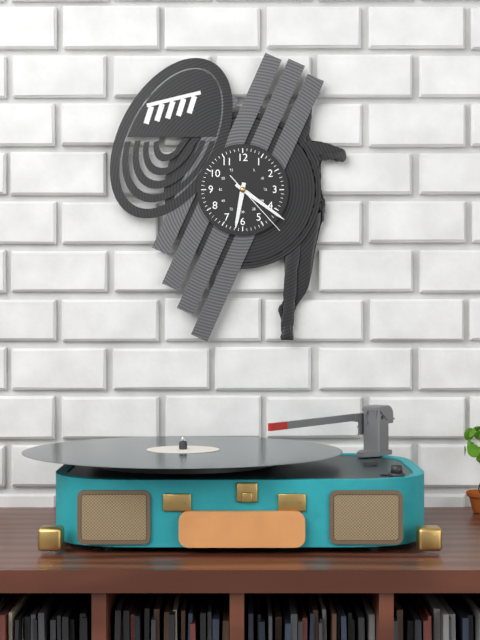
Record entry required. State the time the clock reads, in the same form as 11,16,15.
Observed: 6,21,23
